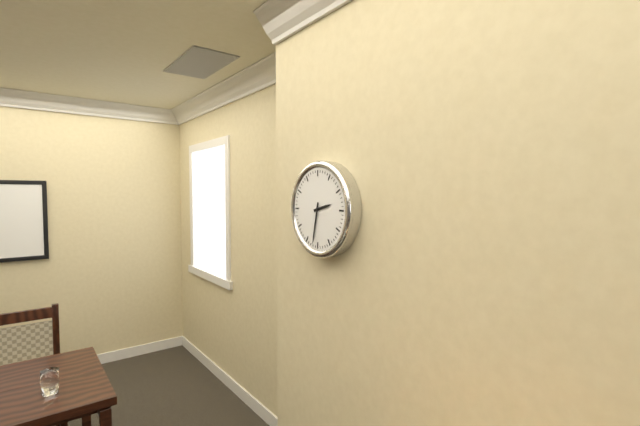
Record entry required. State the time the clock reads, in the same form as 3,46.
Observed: 2,32
